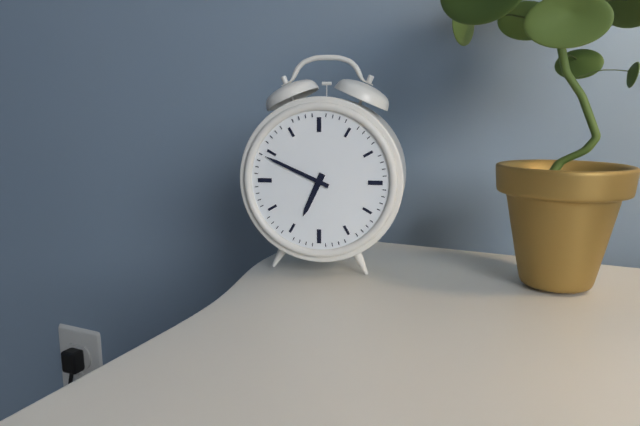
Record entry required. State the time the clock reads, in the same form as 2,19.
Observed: 6,49
